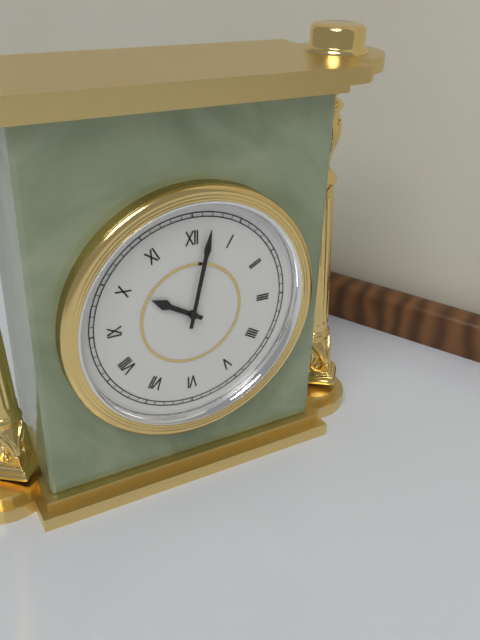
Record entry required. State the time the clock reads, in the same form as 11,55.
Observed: 10,02
